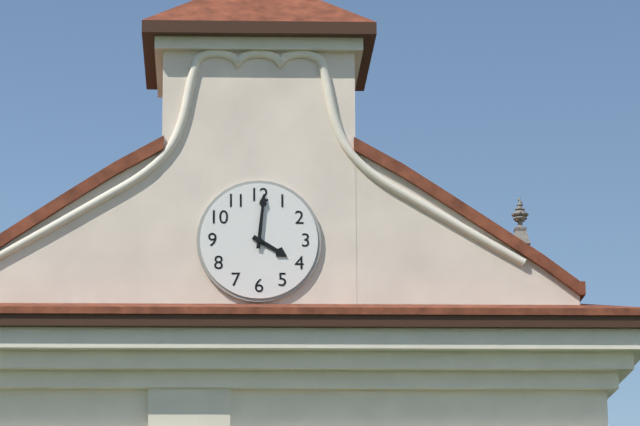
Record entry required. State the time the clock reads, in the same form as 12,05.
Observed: 4,01
